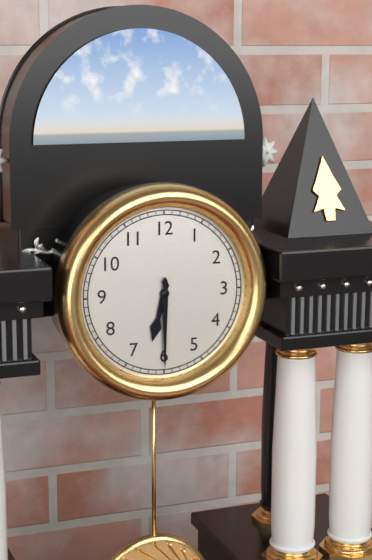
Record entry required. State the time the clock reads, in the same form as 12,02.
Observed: 6,30
